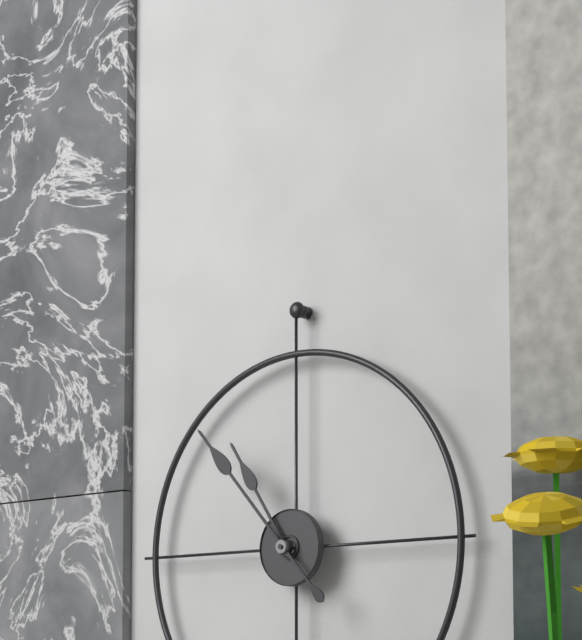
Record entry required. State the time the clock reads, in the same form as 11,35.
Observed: 10,53
